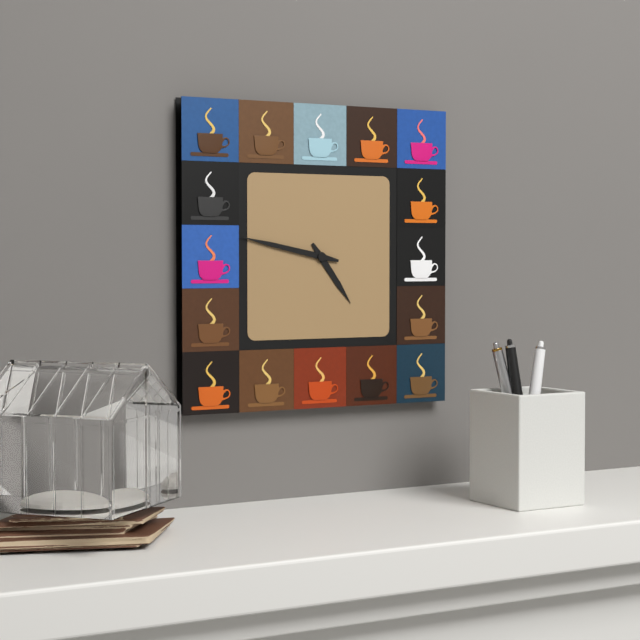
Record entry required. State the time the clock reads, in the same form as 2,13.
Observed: 4,47
